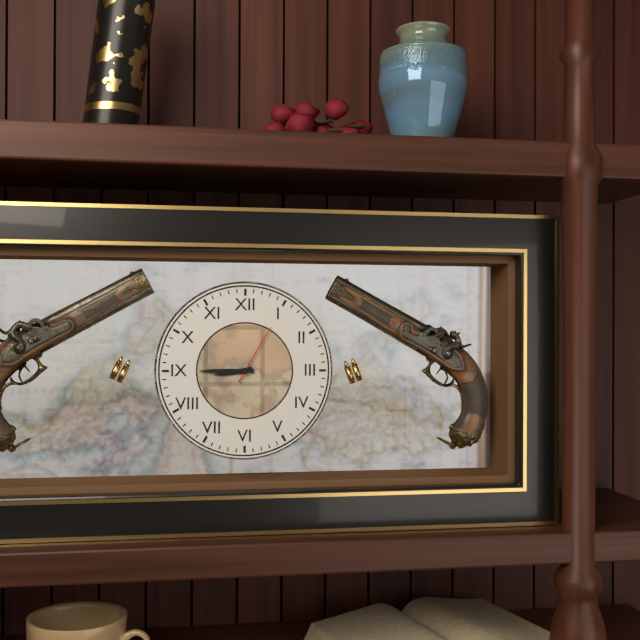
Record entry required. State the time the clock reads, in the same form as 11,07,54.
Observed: 8,45,05
